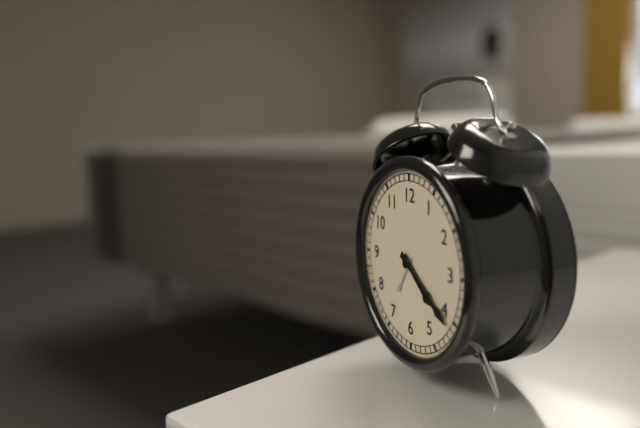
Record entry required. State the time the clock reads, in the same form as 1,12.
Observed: 4,21
